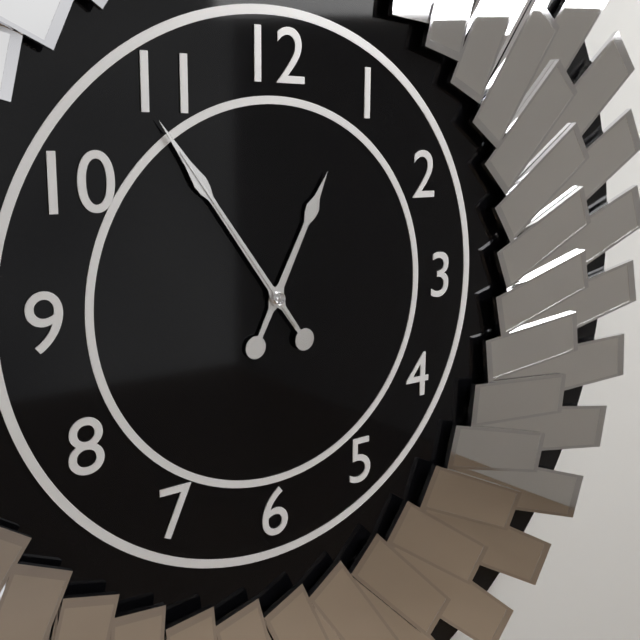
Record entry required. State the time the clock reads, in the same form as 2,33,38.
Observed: 12,54,54
